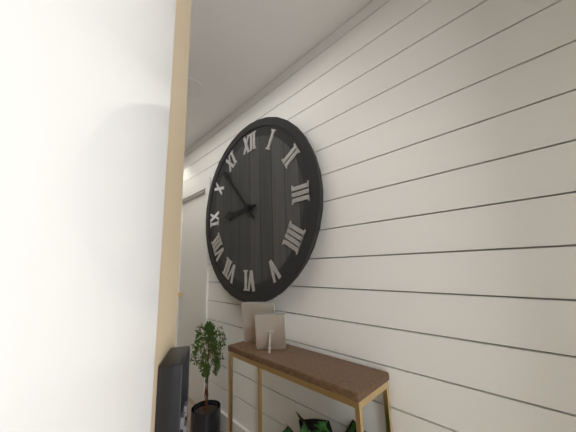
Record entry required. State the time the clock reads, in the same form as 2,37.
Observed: 8,53
